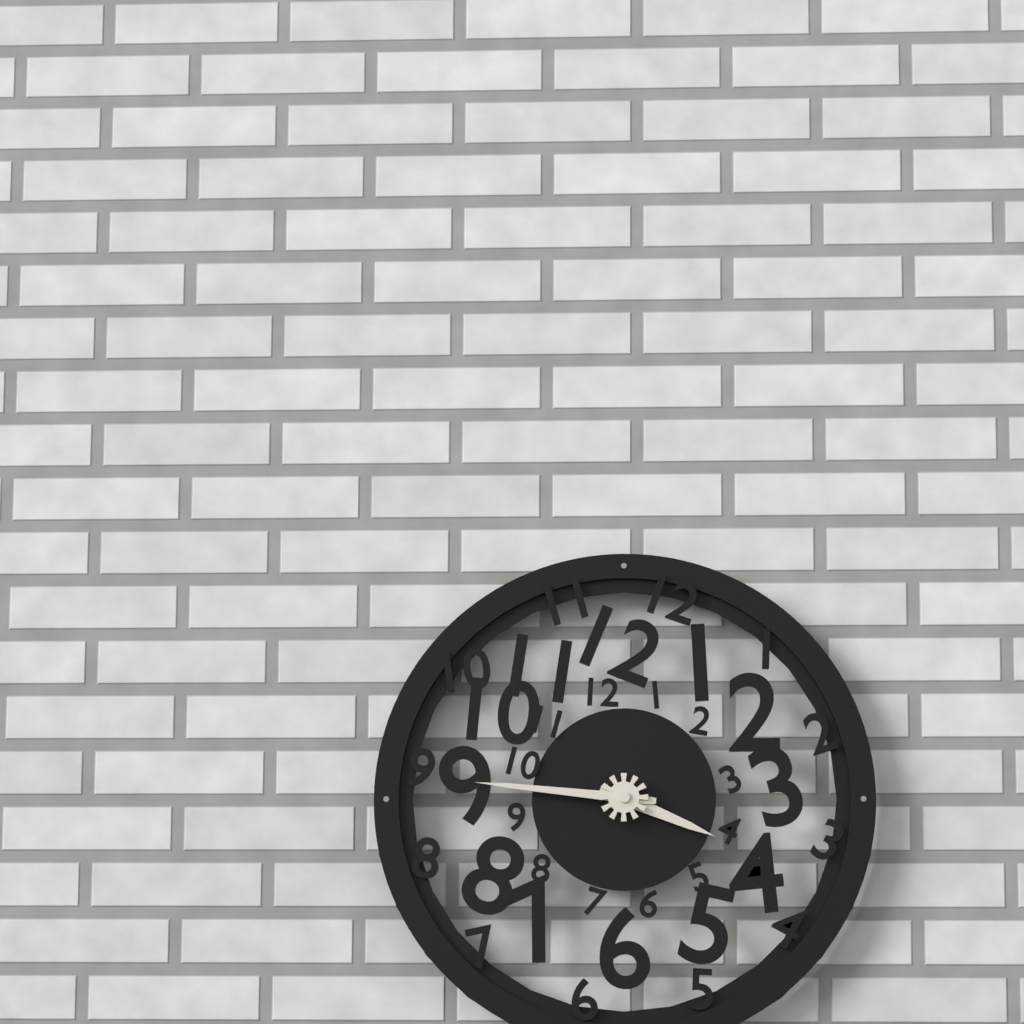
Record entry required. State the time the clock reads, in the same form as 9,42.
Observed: 3,46
